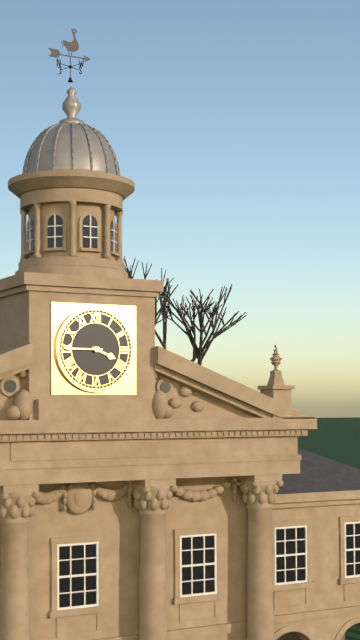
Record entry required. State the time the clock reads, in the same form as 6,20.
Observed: 3,45
